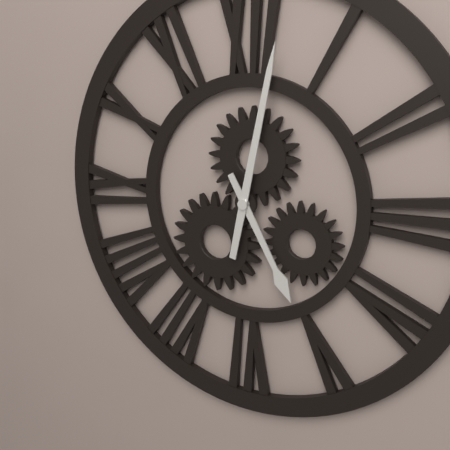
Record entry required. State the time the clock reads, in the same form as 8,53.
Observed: 5,02
